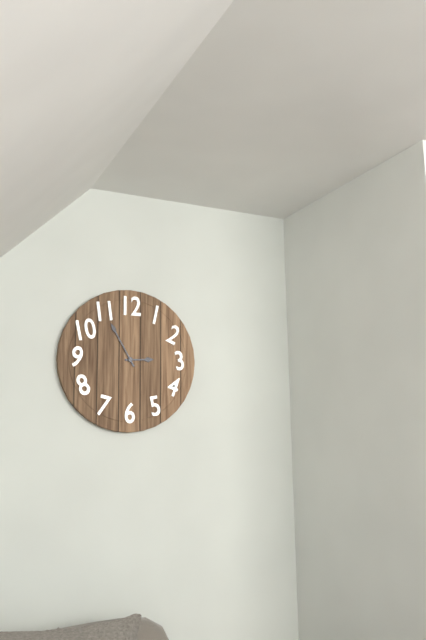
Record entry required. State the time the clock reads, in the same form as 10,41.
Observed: 2,55
